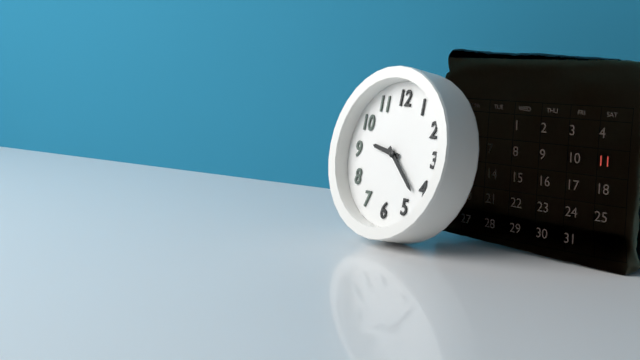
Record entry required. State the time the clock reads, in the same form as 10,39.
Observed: 9,22
